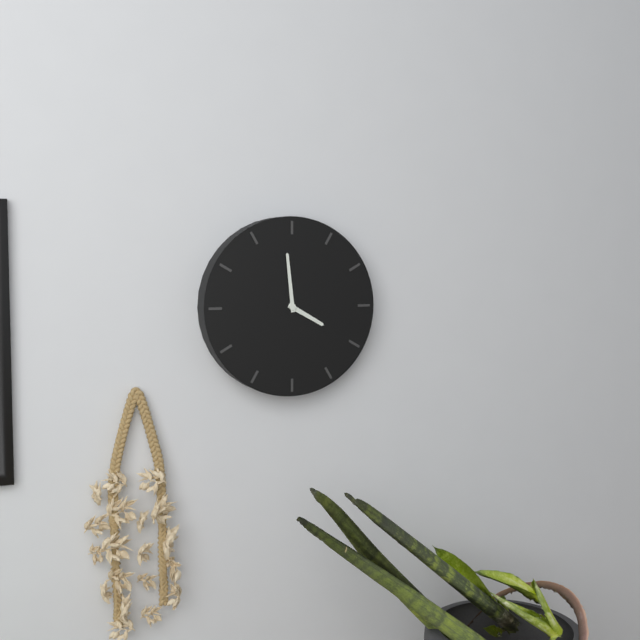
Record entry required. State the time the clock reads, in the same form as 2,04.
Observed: 3,59
